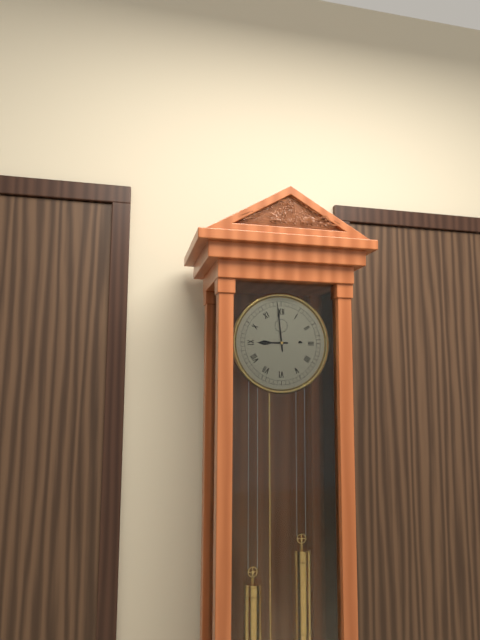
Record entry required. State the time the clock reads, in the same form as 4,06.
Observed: 8,59
